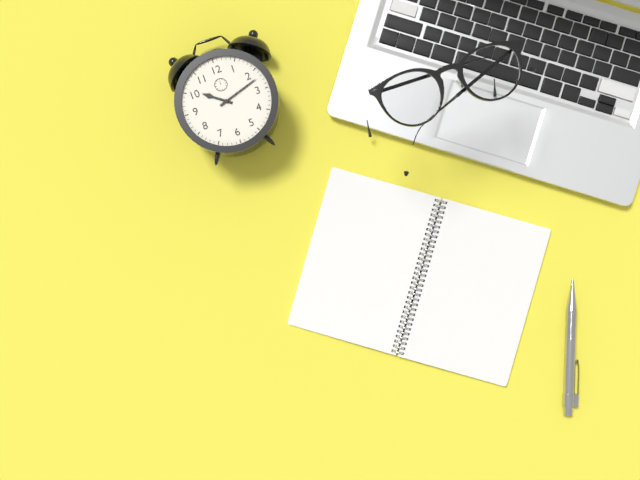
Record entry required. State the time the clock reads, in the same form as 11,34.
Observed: 10,12
